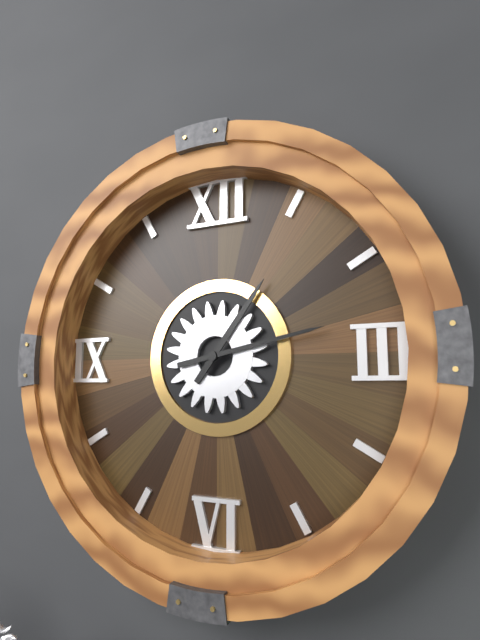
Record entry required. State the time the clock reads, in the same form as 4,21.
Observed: 1,13
